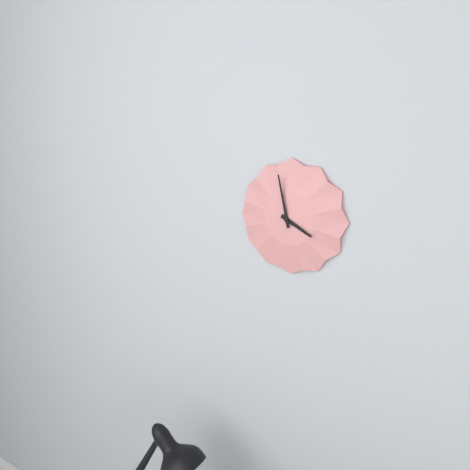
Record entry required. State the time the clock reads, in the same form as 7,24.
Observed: 3,58
